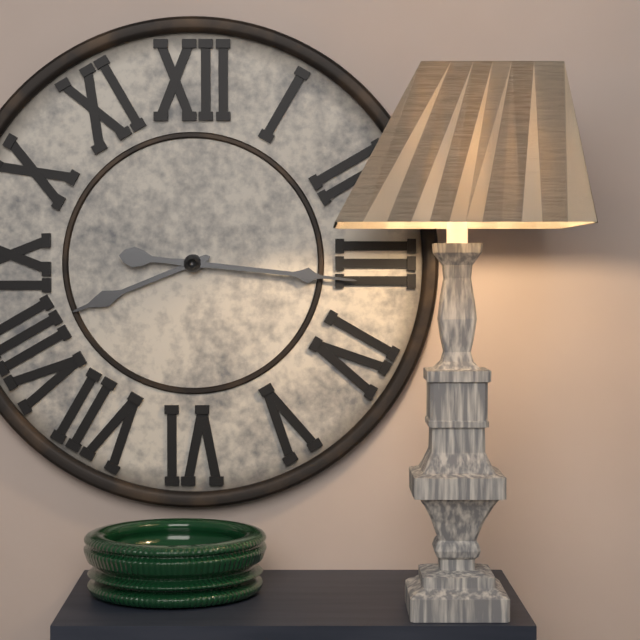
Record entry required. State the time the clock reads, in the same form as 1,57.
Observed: 8,16
